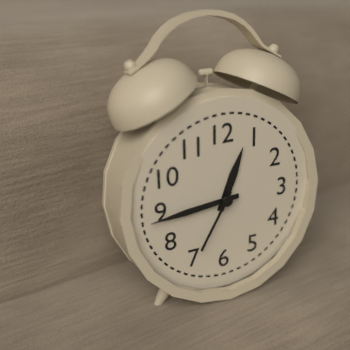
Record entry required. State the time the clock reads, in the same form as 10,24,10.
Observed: 12,44,35
